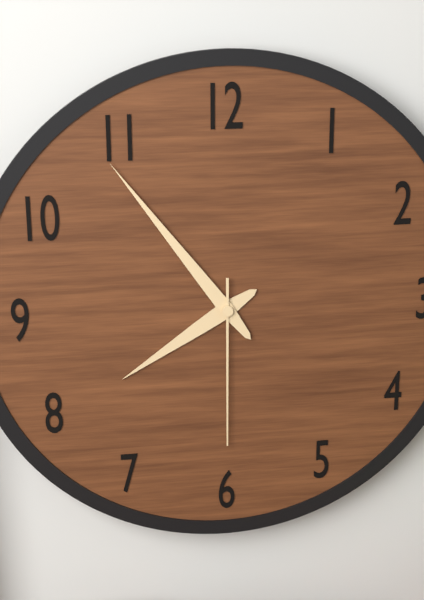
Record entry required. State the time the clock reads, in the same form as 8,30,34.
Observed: 7,54,30
